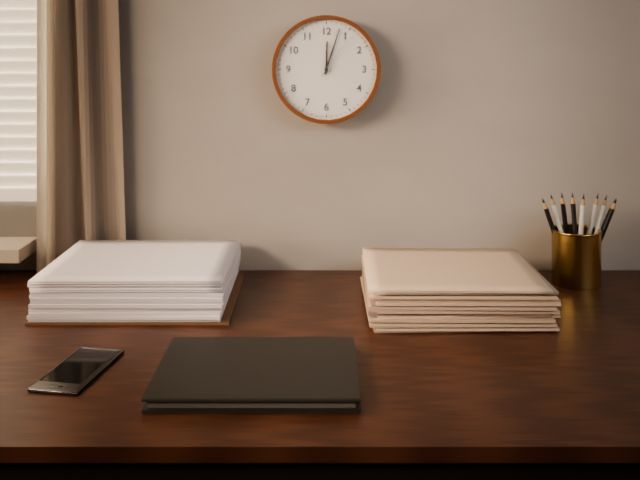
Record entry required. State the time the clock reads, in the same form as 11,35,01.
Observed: 12,03,06
